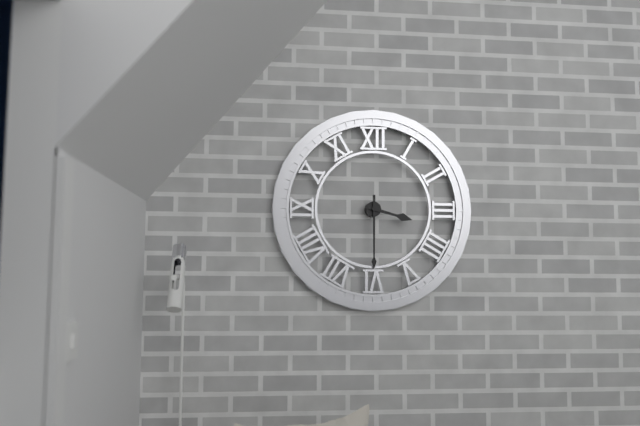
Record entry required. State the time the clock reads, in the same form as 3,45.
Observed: 3,30
